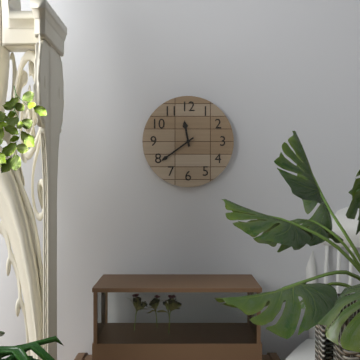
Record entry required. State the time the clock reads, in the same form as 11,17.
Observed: 11,39
